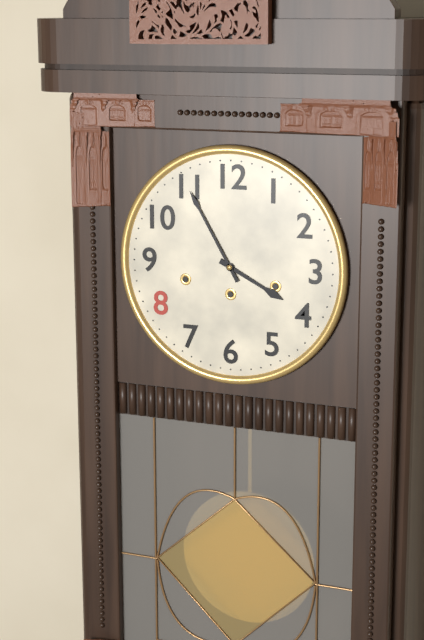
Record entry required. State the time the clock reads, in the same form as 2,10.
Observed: 3,55
